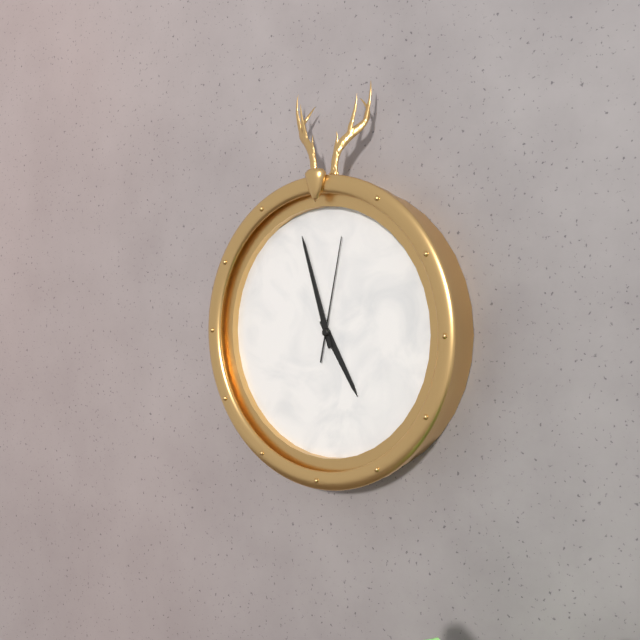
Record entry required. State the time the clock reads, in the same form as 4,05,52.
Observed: 4,57,02
